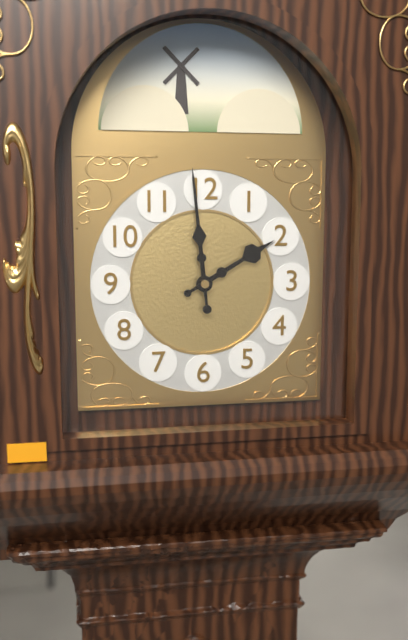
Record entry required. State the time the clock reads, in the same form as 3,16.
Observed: 1,59
